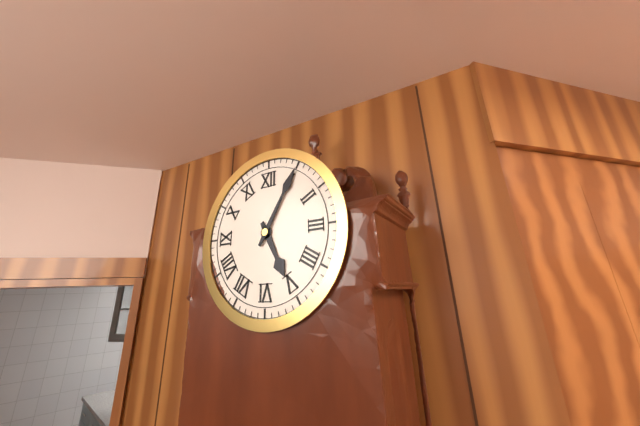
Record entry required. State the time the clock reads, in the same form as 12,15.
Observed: 5,05
